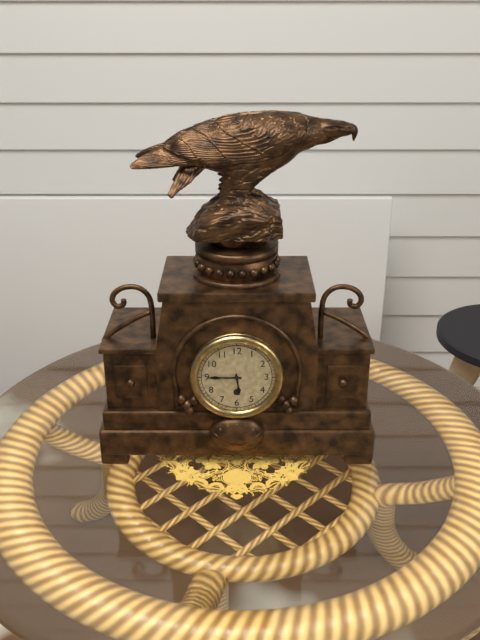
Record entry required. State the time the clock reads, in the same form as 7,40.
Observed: 5,45
